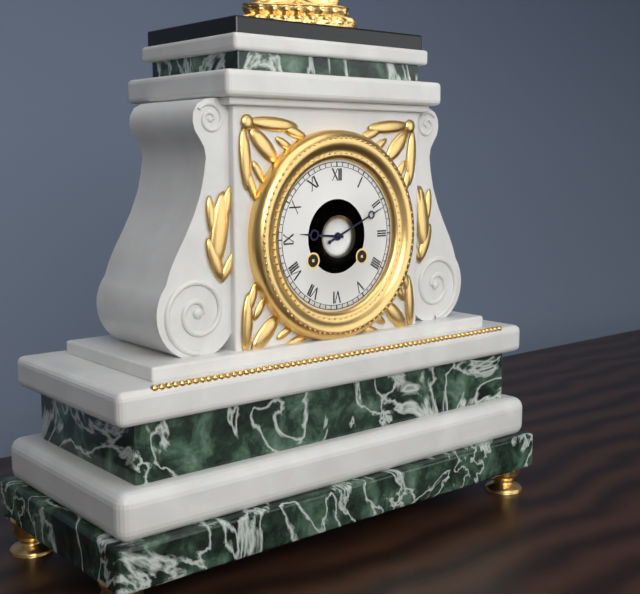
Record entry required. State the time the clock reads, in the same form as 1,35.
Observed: 9,11
